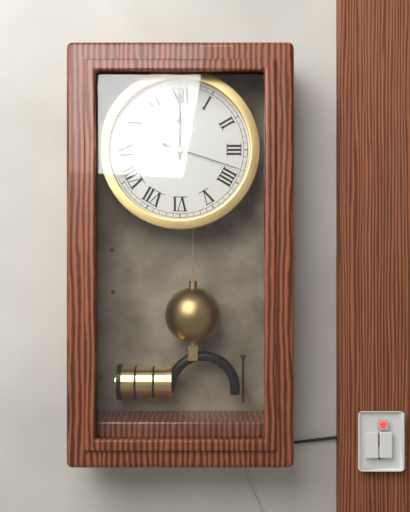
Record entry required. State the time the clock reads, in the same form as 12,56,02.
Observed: 12,00,18
